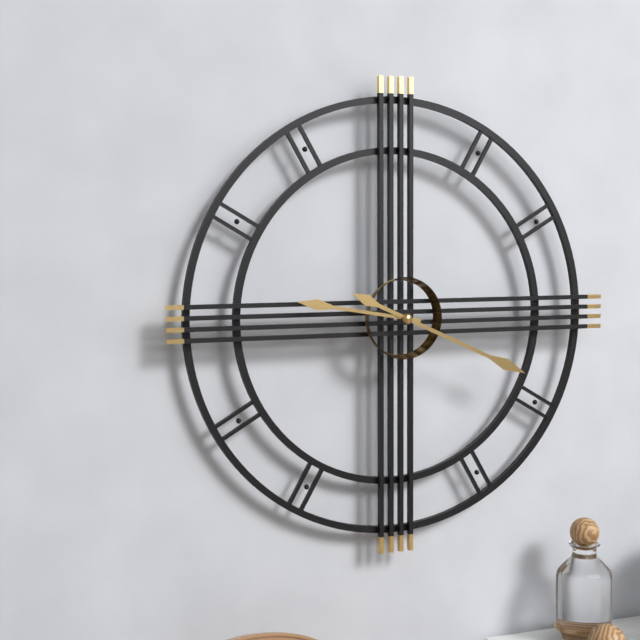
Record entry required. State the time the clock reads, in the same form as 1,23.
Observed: 9,19
